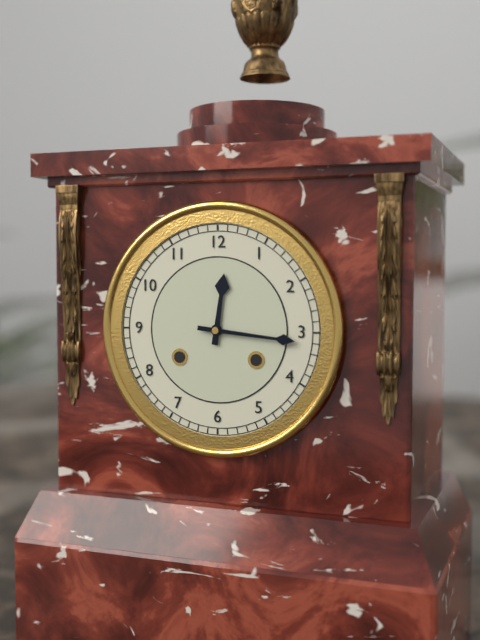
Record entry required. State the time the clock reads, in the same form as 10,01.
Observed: 12,16
